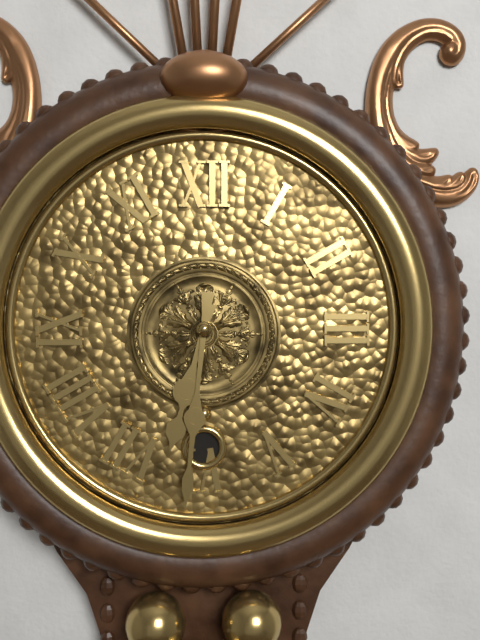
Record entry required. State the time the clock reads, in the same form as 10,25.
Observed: 6,31
